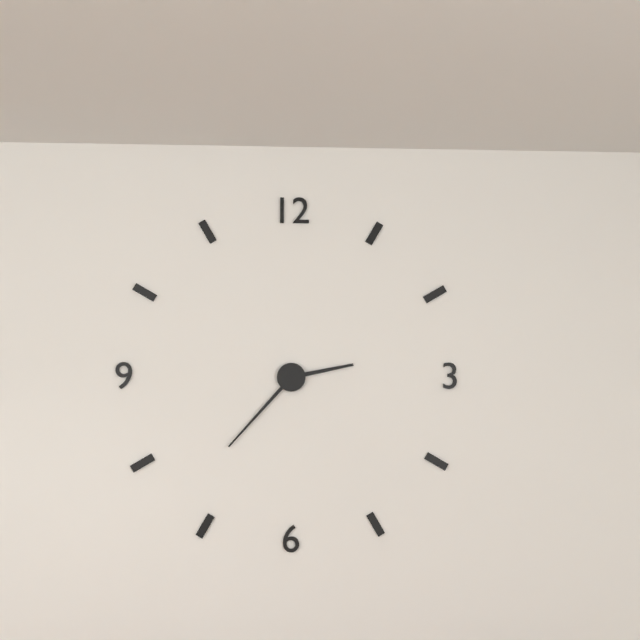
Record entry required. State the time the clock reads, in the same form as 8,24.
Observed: 2,37
